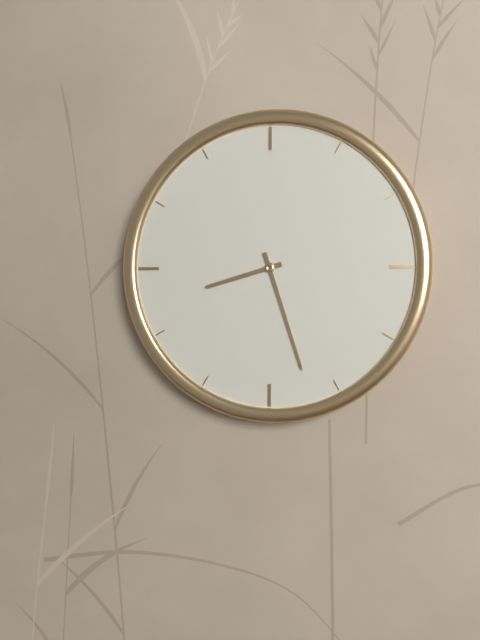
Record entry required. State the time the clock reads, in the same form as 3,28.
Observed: 8,27
